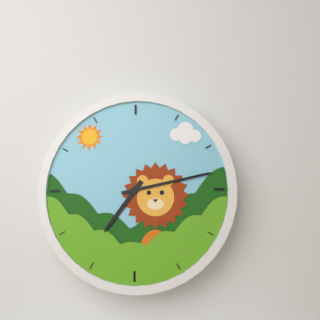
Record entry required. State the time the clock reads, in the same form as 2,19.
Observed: 7,13
